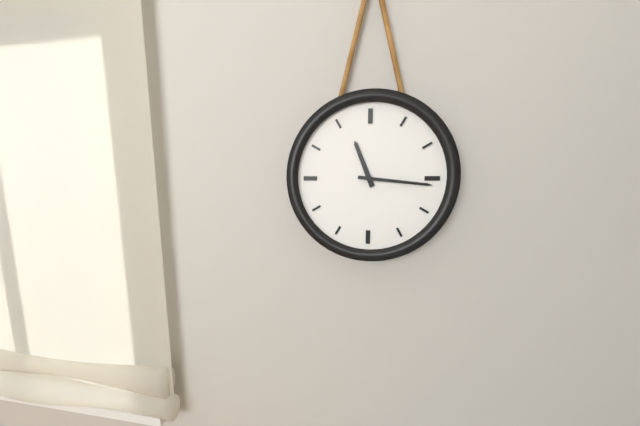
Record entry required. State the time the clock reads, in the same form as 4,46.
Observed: 11,16
